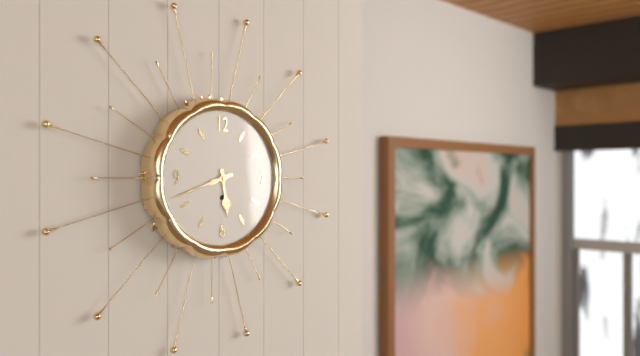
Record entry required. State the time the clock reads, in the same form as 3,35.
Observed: 5,42
